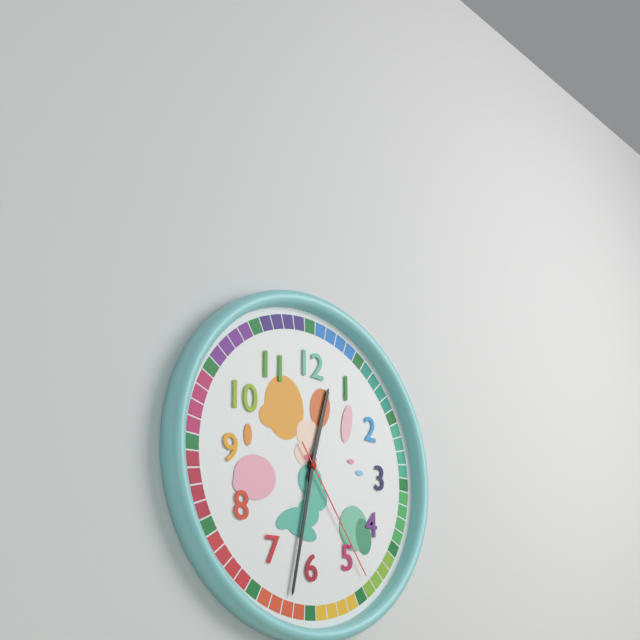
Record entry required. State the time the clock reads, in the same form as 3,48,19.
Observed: 12,32,24
